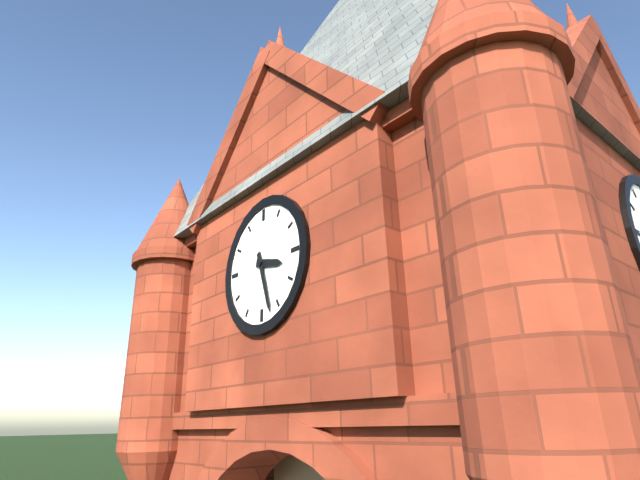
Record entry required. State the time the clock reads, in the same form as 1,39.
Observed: 3,27
